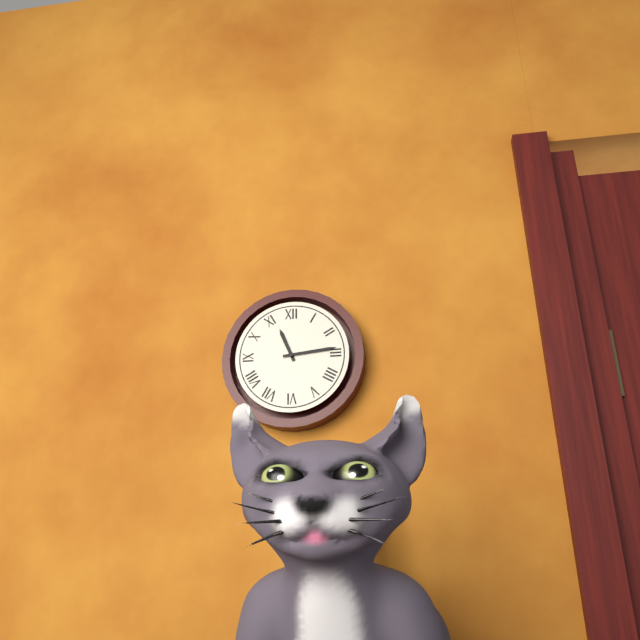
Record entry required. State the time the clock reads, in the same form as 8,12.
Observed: 11,14
